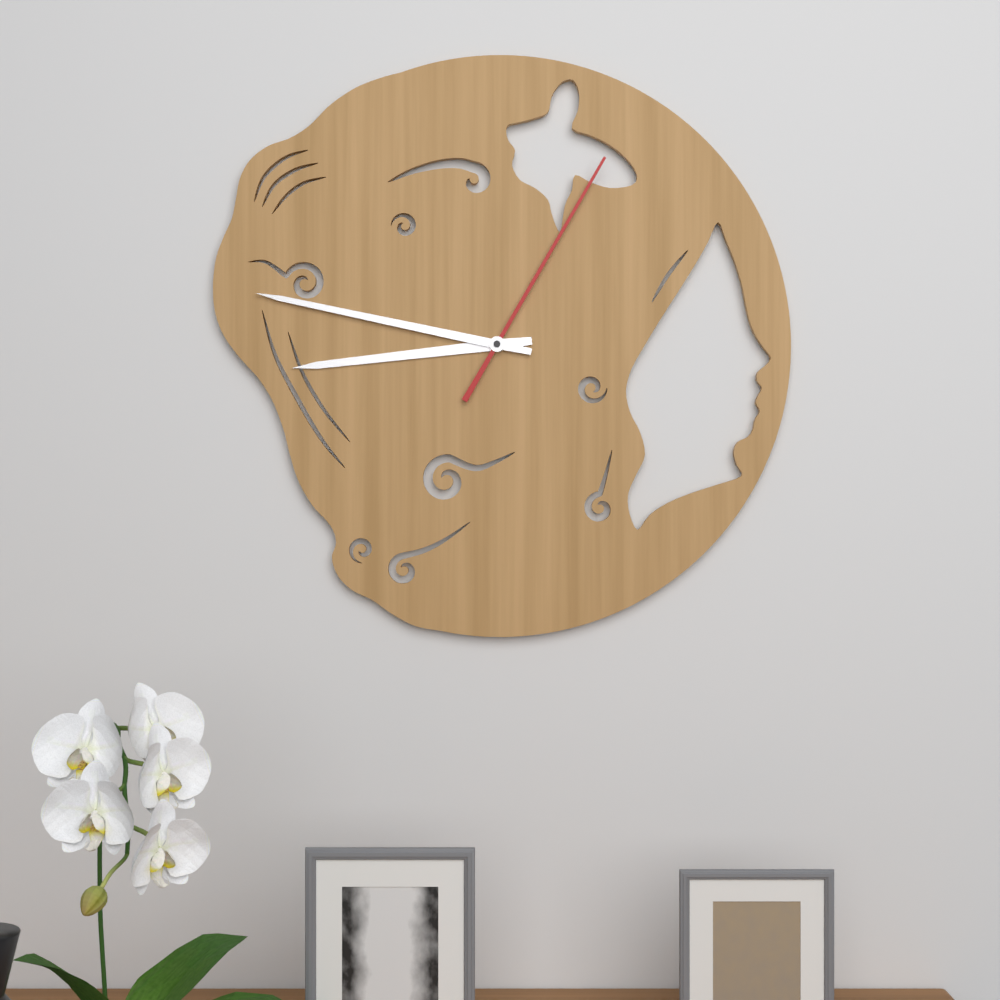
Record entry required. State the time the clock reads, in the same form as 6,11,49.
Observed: 8,47,05
